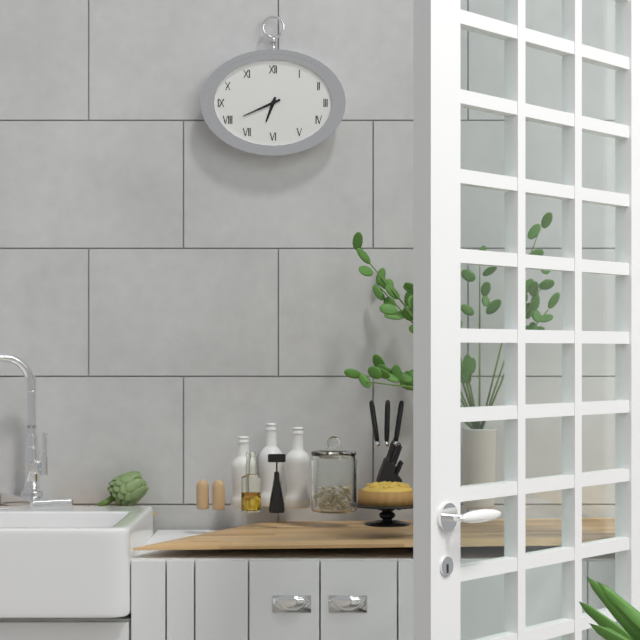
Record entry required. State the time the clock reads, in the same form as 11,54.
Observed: 6,41
